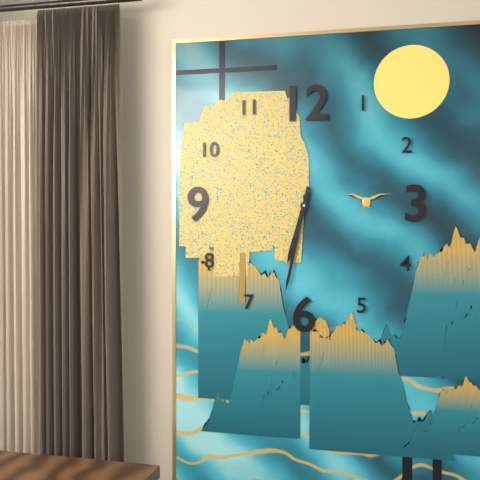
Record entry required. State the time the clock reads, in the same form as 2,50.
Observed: 6,32
